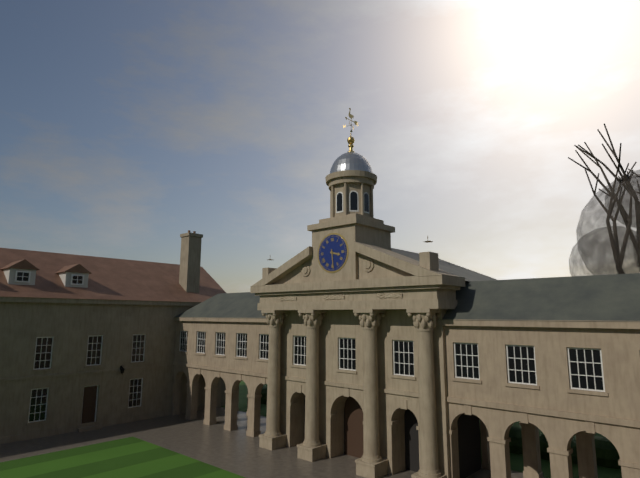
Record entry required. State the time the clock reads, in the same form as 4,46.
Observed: 3,29
